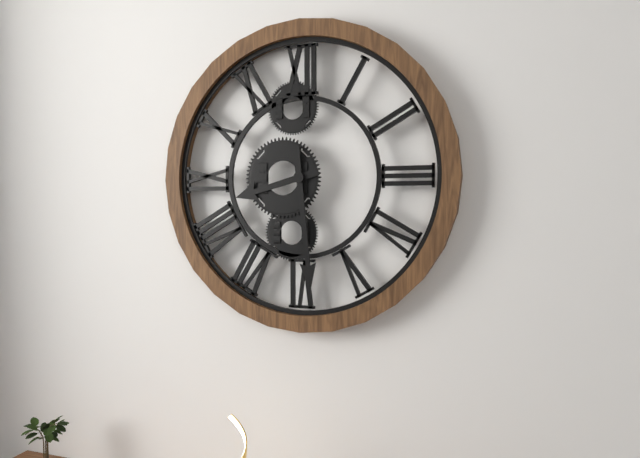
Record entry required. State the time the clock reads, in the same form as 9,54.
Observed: 8,29
